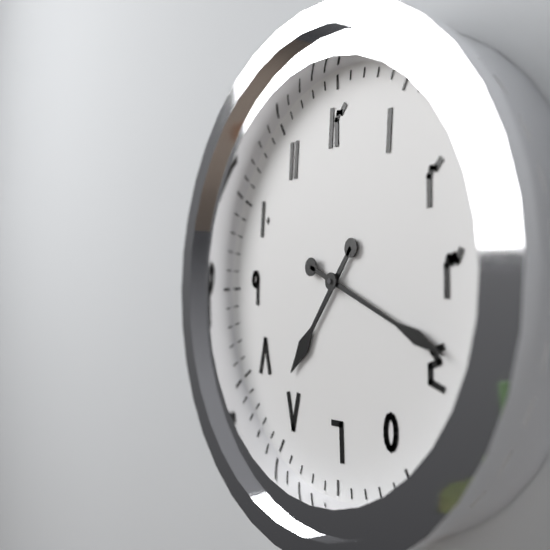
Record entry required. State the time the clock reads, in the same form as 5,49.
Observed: 7,19
